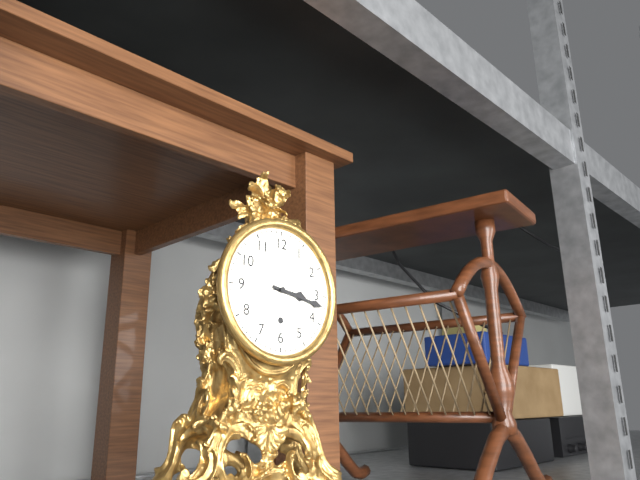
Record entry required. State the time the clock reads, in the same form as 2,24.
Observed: 3,17
